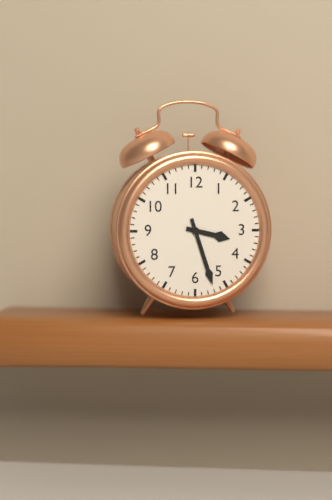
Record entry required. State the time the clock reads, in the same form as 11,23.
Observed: 3,27
